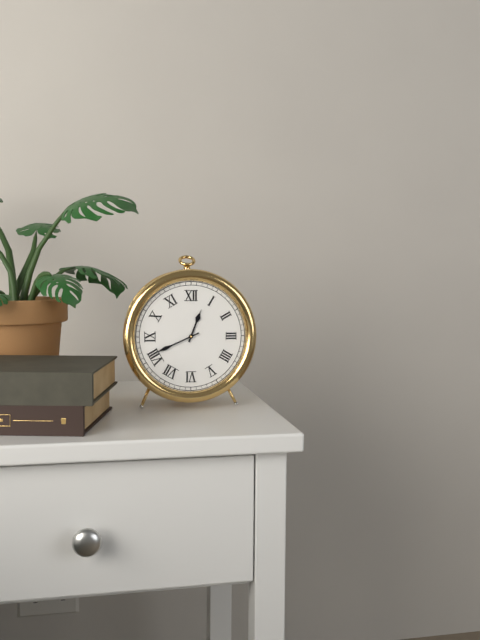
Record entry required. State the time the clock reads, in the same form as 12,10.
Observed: 12,41
